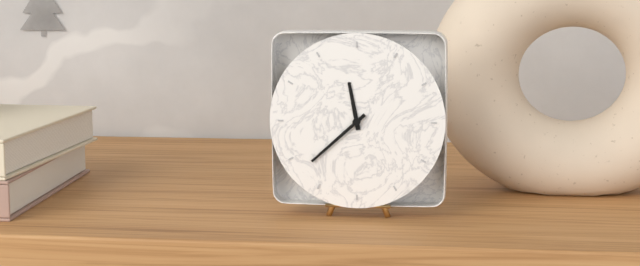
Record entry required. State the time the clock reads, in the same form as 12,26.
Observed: 11,38
